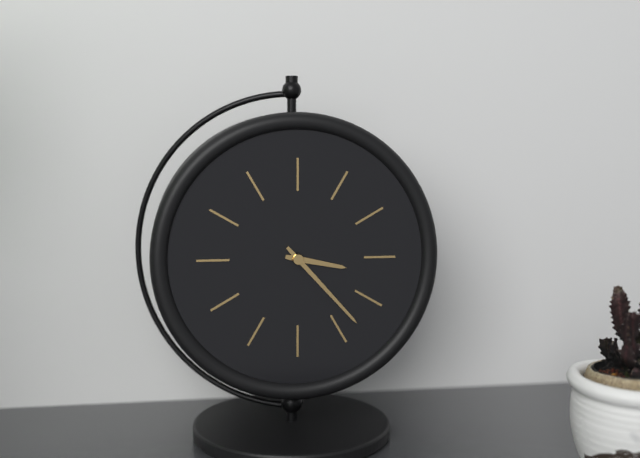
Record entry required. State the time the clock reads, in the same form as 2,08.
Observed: 3,23
